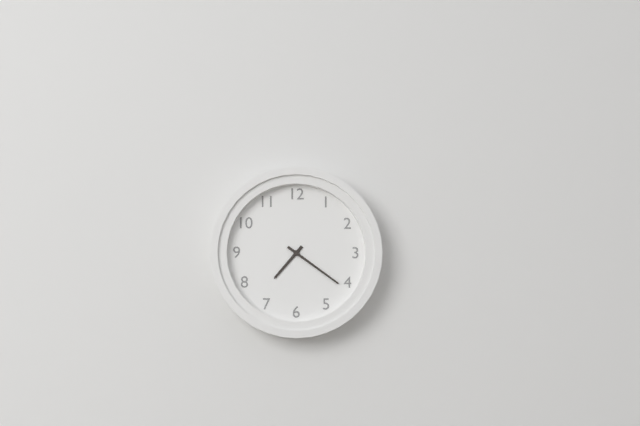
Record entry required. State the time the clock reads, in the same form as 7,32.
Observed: 7,21
